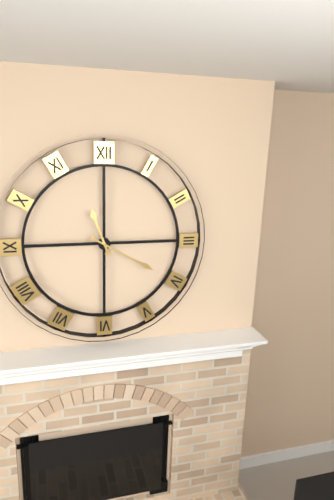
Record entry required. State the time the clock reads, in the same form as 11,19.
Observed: 11,20
